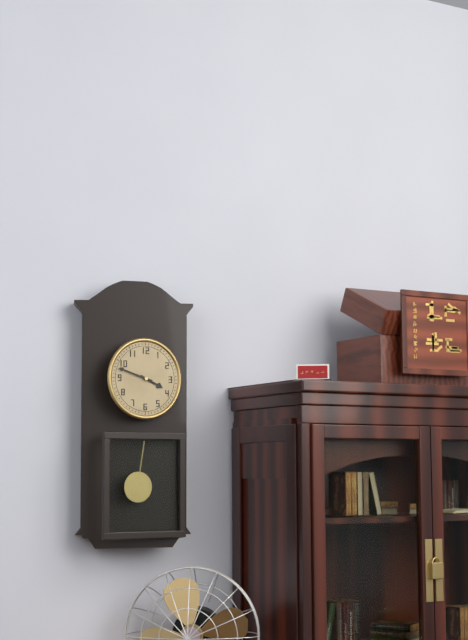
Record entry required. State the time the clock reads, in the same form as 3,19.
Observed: 3,48
